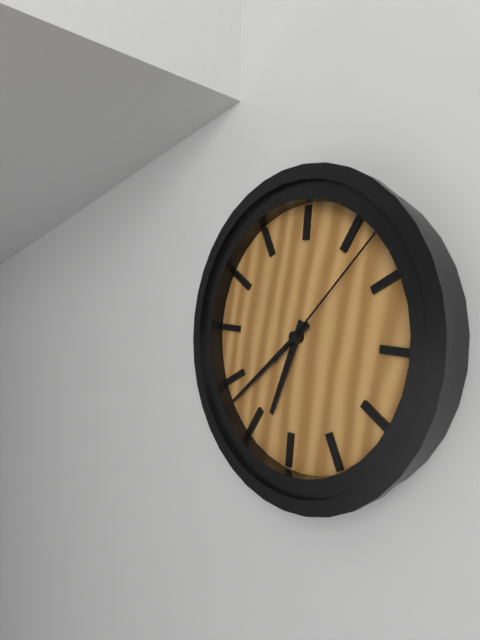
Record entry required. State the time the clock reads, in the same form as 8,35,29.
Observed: 6,38,07
